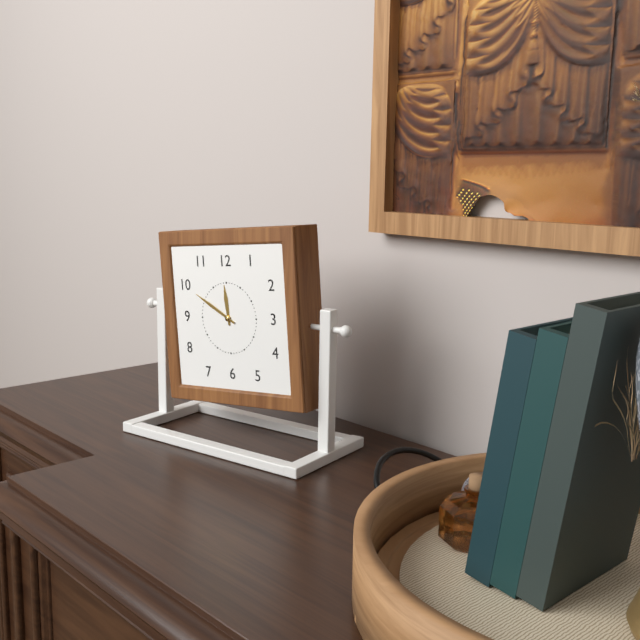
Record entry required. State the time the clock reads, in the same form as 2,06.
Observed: 11,50
